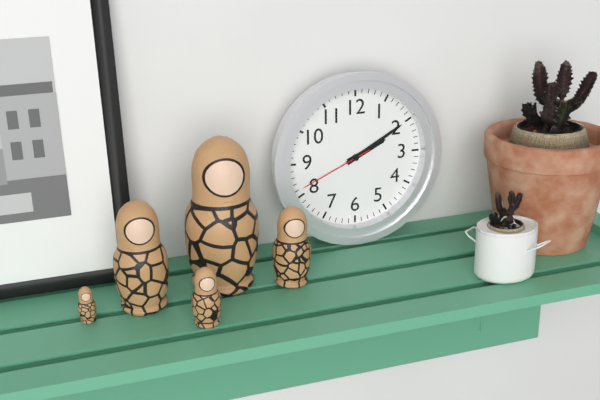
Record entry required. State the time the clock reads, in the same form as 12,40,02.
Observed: 2,10,41
